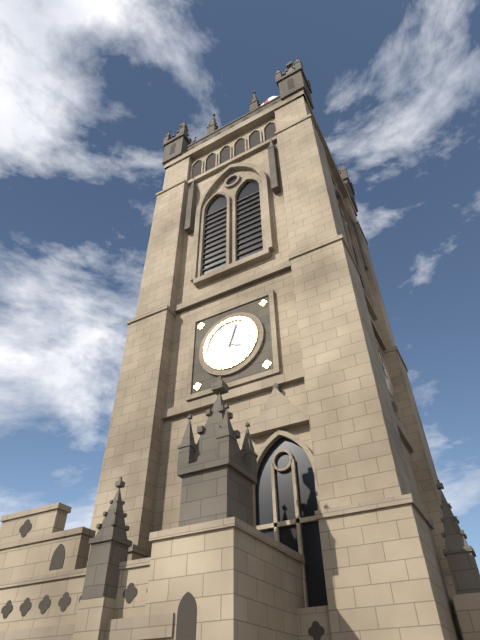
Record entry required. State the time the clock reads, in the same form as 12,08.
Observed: 4,03
